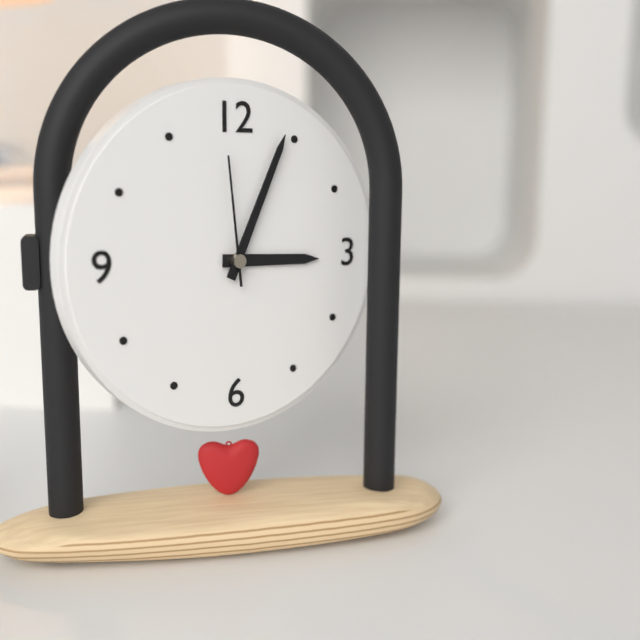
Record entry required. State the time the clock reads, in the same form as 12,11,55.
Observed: 3,04,59
